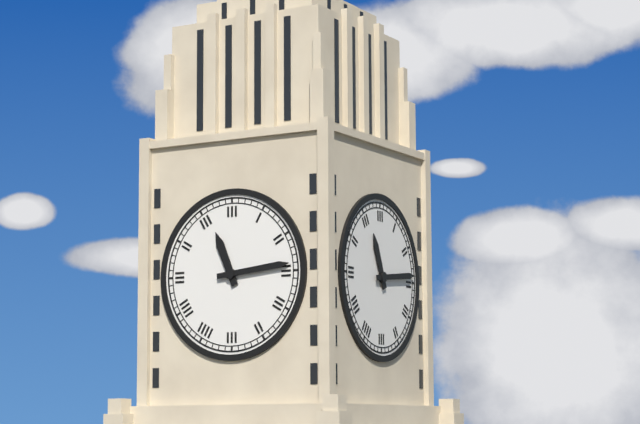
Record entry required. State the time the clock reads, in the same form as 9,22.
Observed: 11,14
